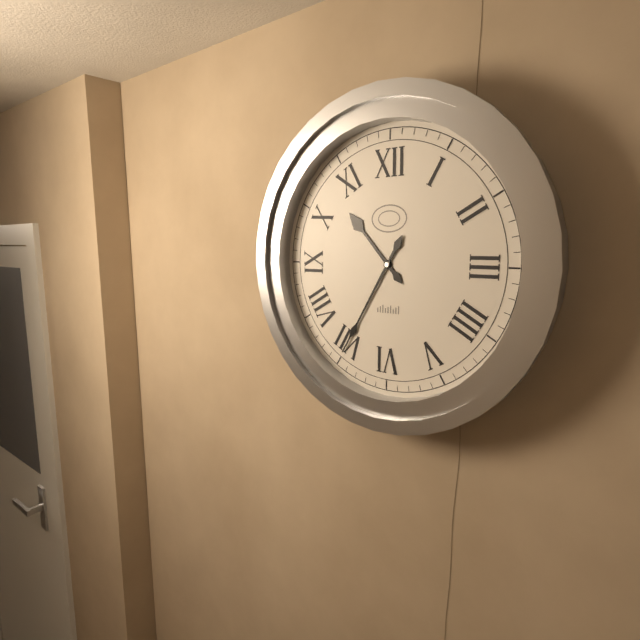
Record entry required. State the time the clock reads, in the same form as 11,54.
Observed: 10,35
